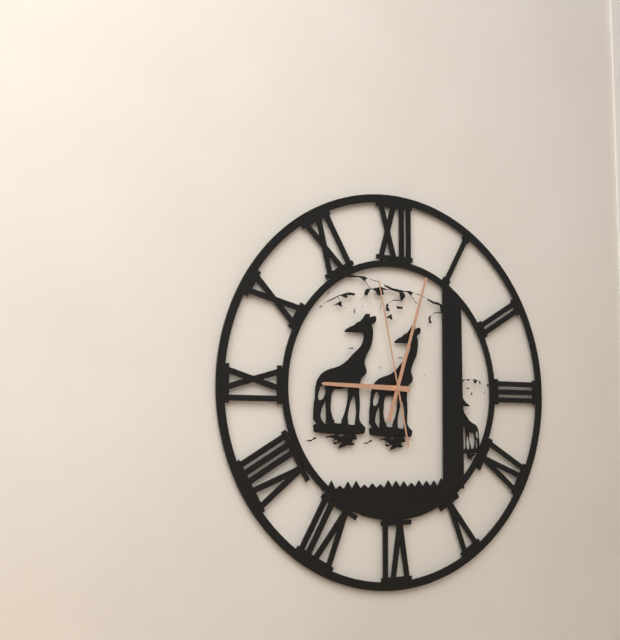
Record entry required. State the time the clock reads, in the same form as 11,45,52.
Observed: 9,03,58
